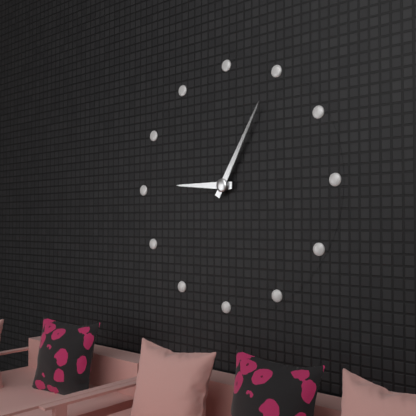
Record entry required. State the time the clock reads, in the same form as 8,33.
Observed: 9,05
